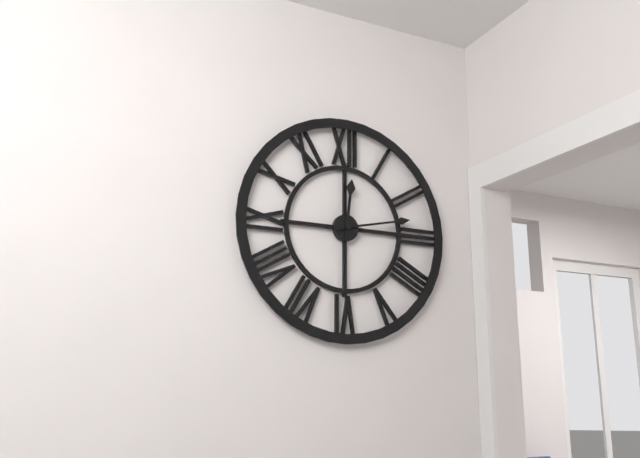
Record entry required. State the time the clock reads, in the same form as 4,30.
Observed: 12,13
